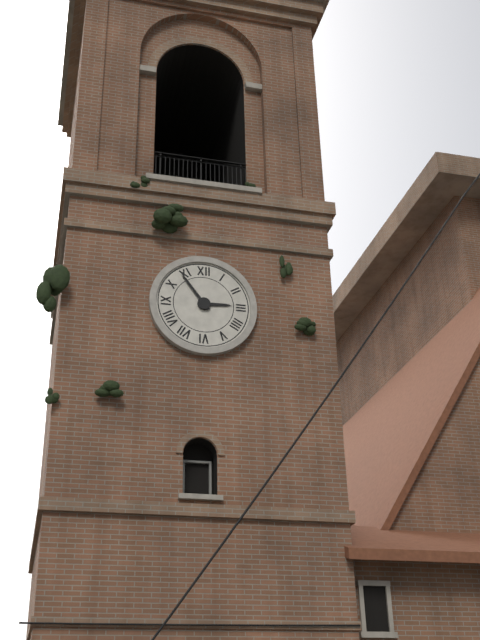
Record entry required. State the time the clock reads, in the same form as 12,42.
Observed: 2,54
